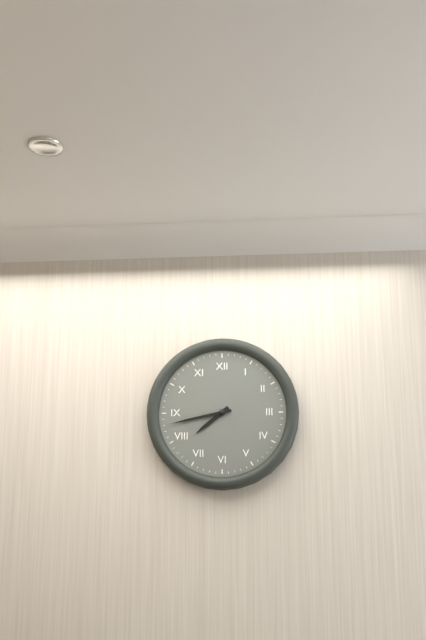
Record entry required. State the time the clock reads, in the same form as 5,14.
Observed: 7,43
